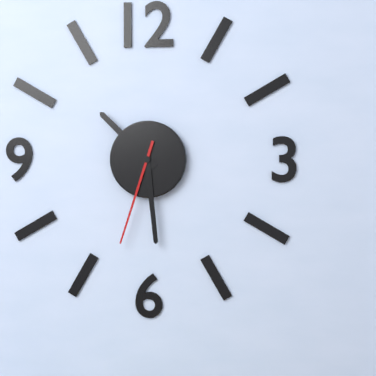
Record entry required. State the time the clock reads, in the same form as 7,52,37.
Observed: 10,29,33
